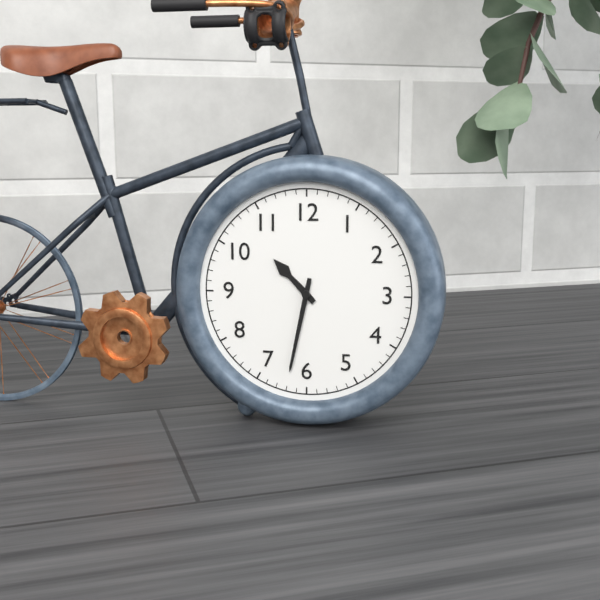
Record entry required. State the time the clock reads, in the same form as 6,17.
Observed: 10,32
